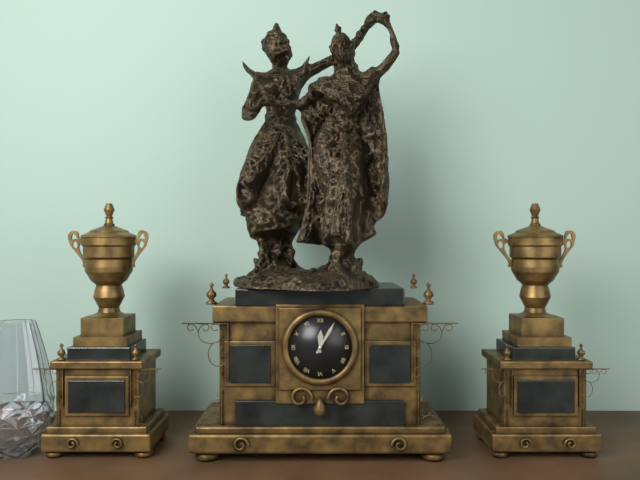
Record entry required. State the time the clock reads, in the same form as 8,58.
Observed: 12,05
